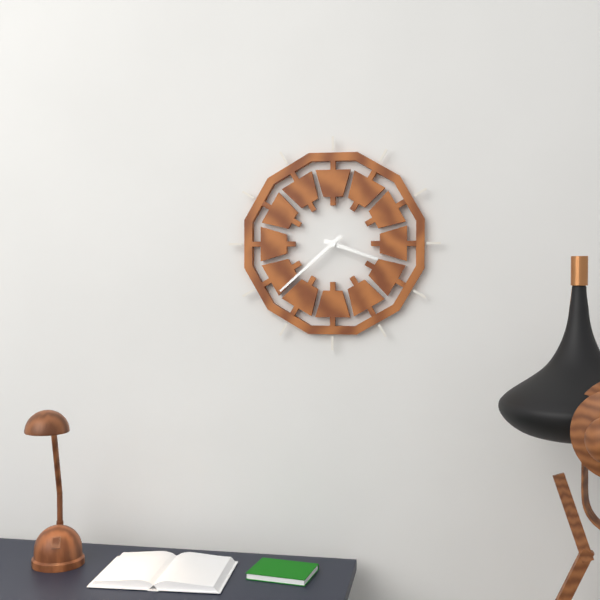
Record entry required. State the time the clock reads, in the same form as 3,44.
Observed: 3,38
